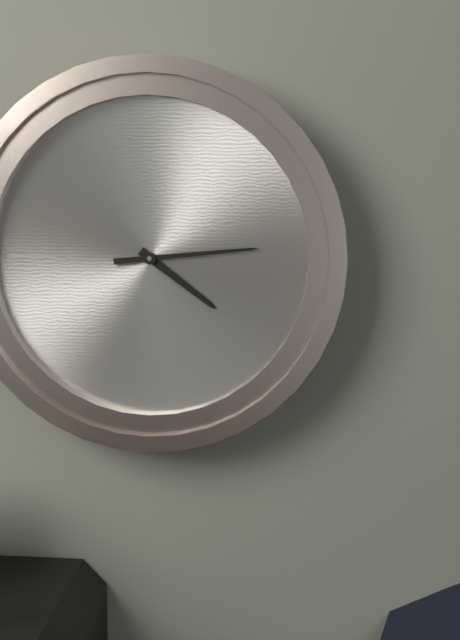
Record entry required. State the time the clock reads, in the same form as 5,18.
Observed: 4,14
